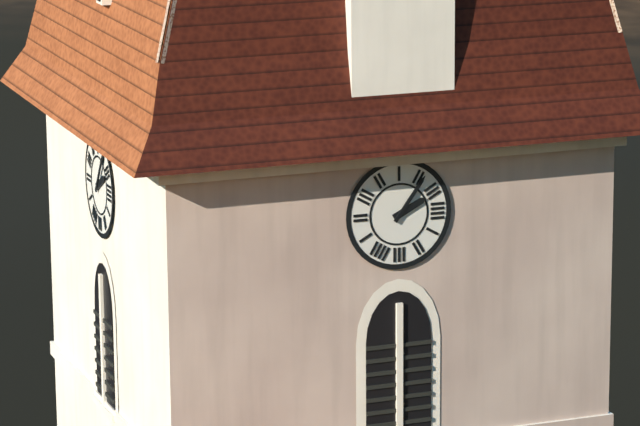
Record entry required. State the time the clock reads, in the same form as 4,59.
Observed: 2,06
